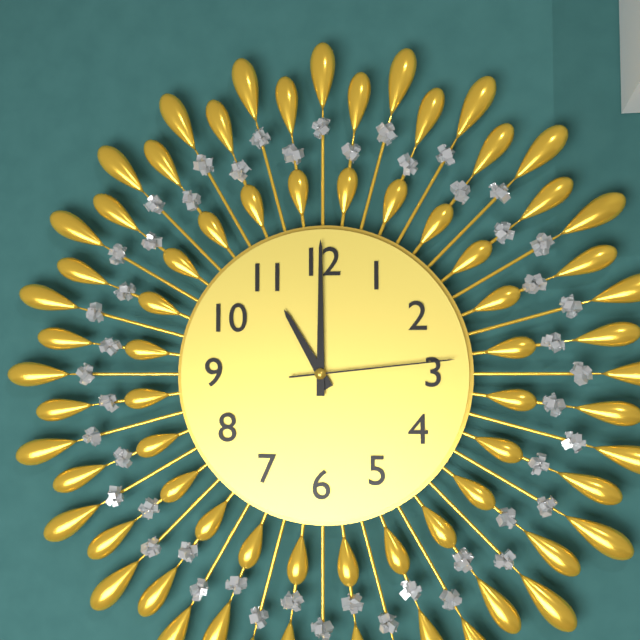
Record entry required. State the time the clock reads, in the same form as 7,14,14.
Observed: 11,00,14
